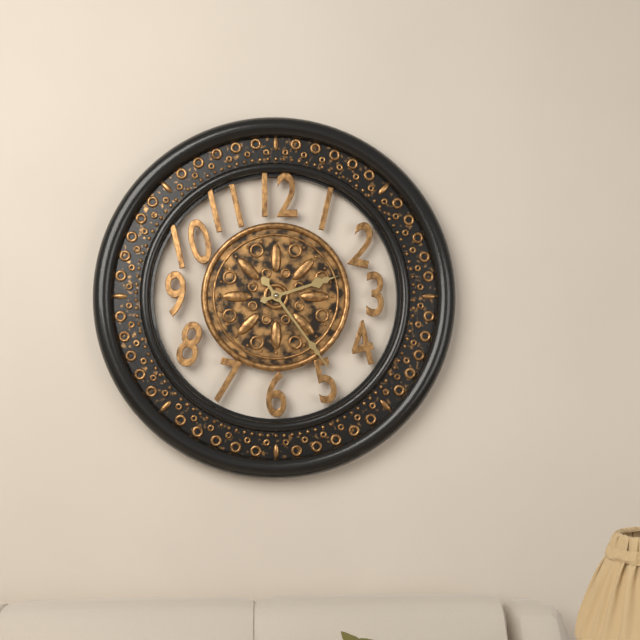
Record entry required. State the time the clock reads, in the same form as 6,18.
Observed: 2,24
